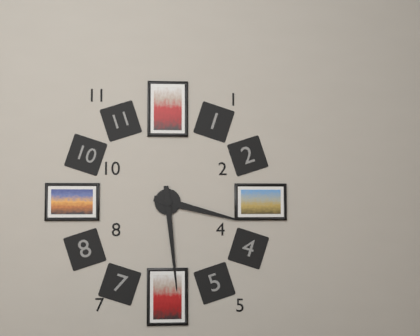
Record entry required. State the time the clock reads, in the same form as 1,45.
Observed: 3,29
